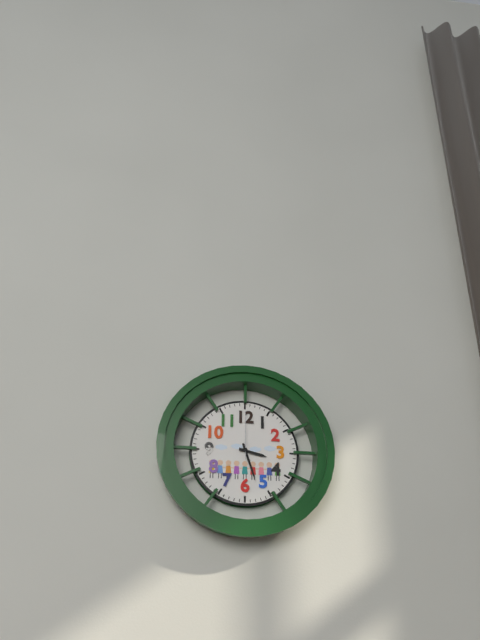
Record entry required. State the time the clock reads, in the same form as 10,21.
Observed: 3,27
